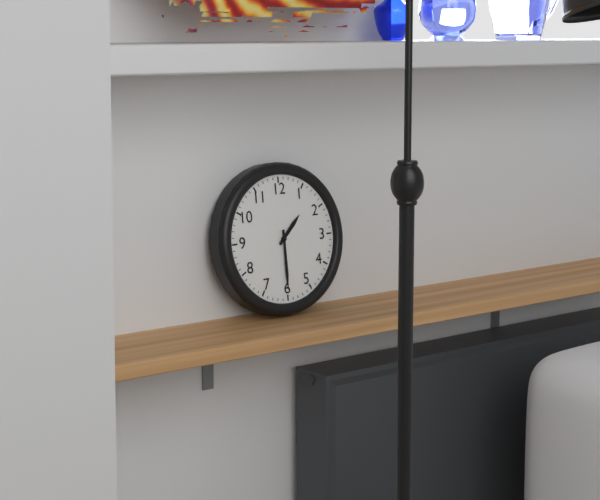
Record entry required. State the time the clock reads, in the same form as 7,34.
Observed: 1,30
